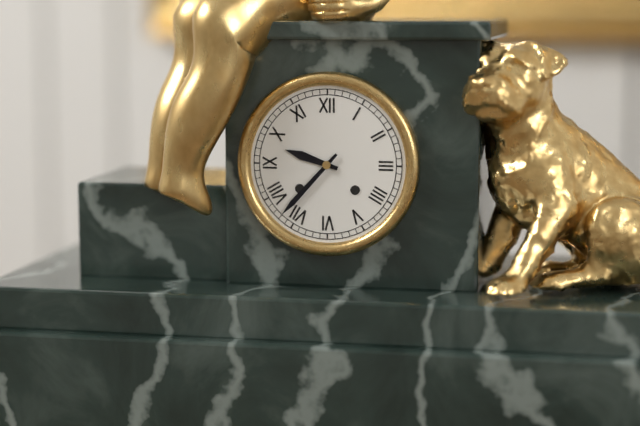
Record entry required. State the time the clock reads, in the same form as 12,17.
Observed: 9,37
